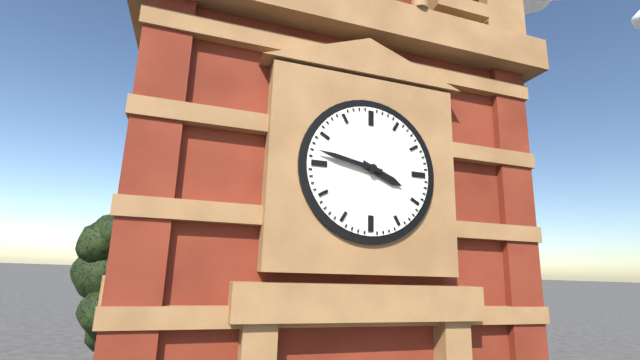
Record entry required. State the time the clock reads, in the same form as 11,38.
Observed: 3,47
